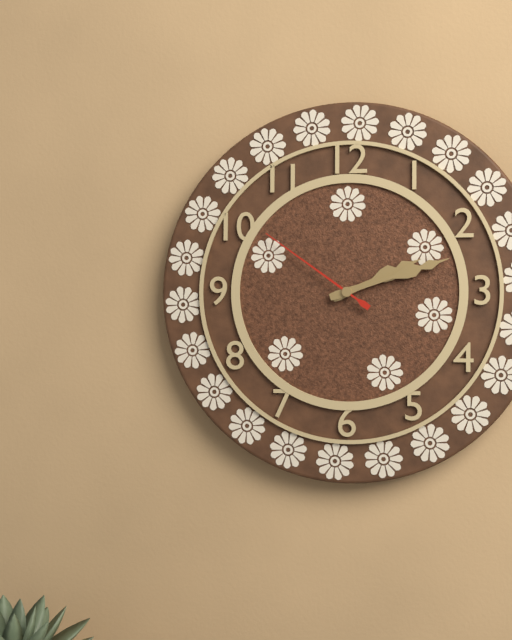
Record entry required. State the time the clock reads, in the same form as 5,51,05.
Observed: 2,12,51
